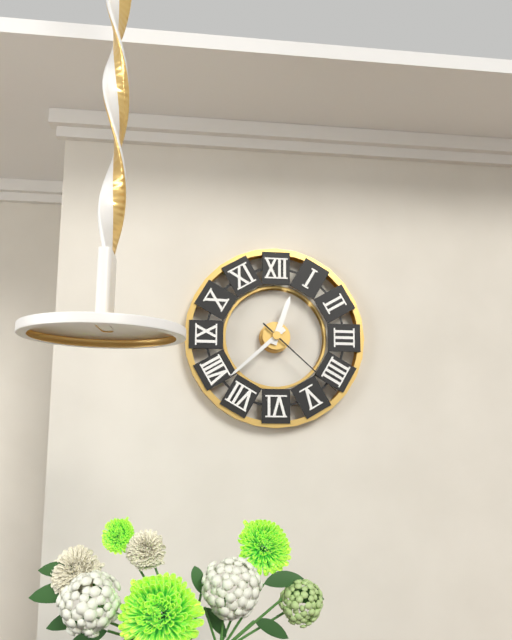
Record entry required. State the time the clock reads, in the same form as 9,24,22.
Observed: 12,38,22
